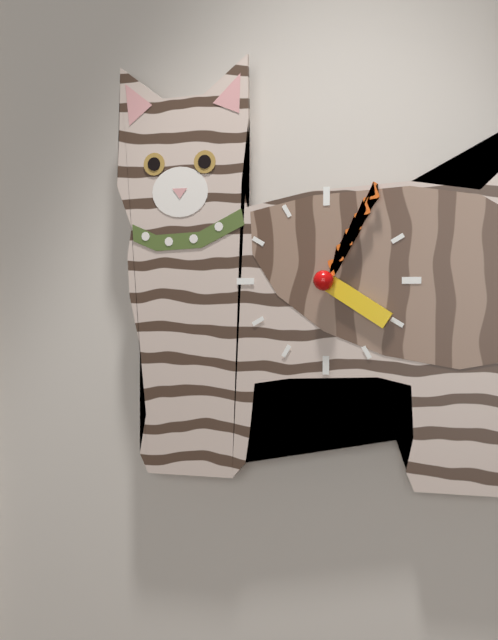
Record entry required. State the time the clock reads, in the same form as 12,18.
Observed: 4,05
